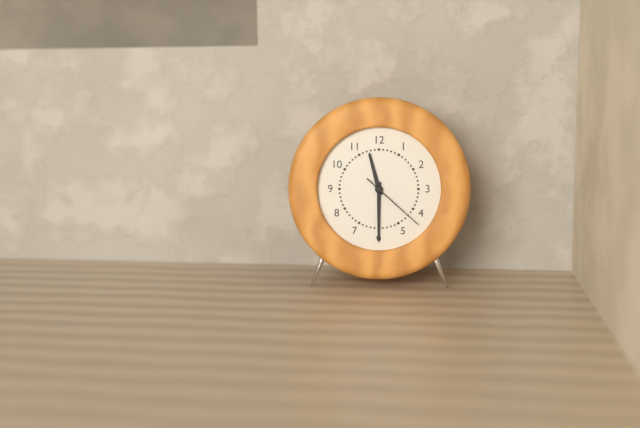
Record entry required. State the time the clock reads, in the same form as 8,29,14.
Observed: 11,30,22
